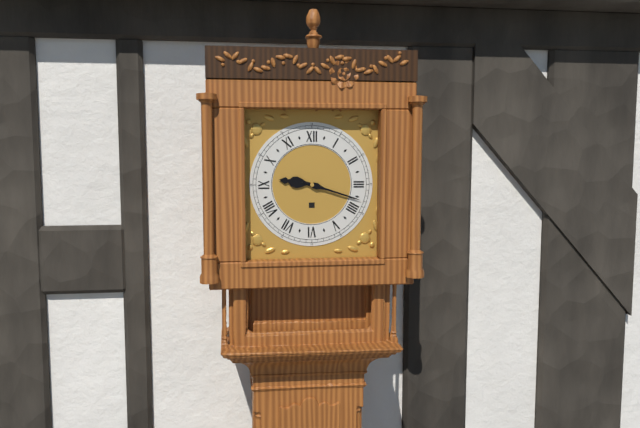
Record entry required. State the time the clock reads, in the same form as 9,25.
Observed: 9,18
